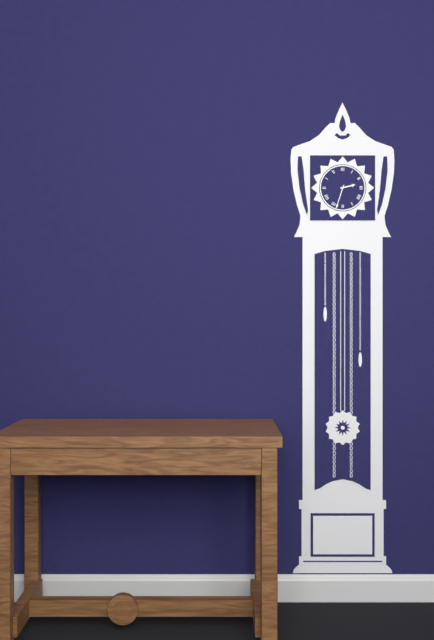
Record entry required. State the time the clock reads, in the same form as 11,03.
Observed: 2,33
